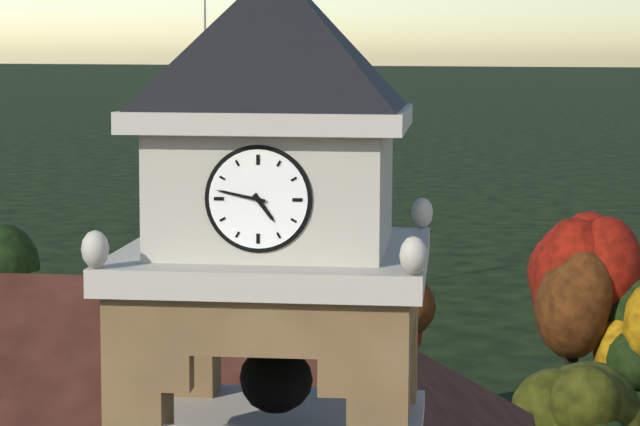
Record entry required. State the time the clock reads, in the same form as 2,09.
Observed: 4,47
